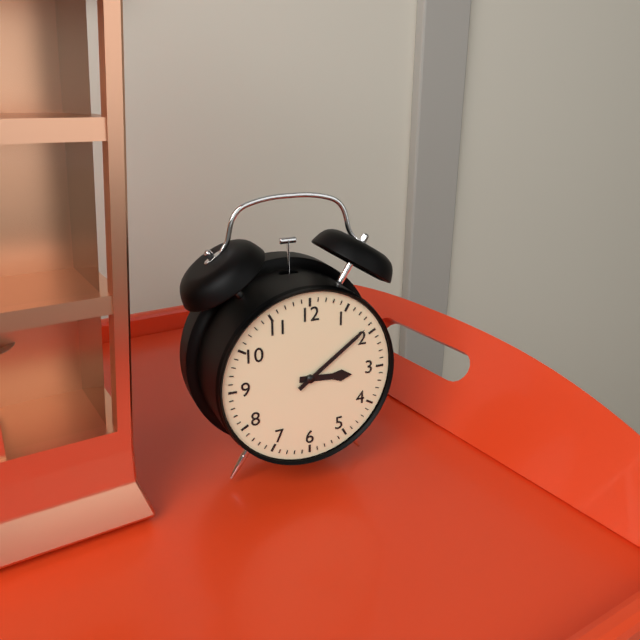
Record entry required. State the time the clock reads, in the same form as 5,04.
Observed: 3,09
